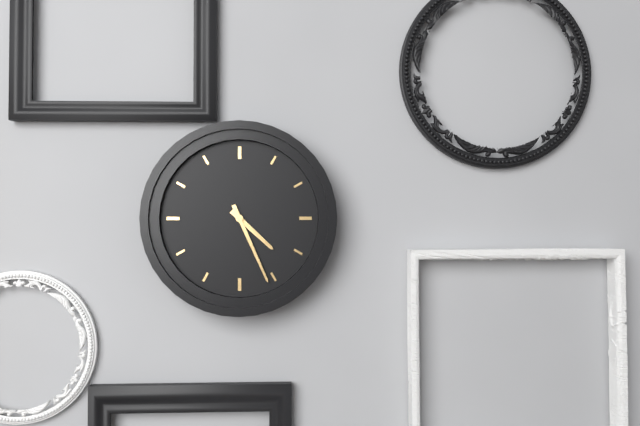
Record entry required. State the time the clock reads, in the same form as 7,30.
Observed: 4,26
